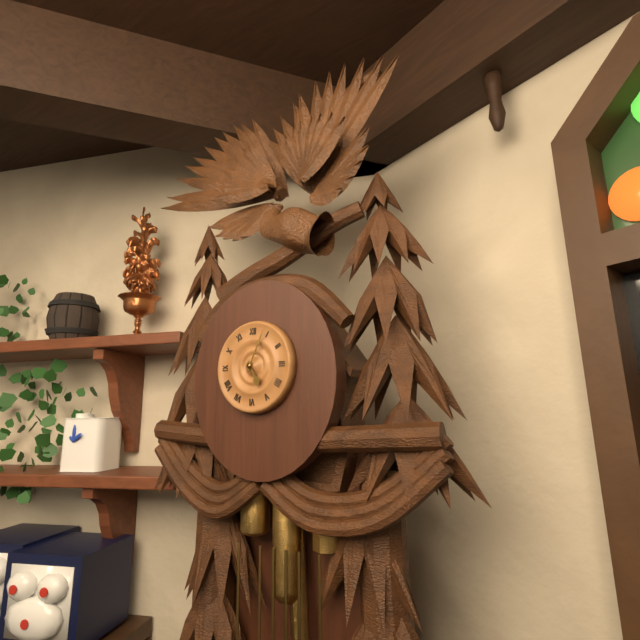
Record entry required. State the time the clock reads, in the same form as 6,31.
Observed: 5,04
